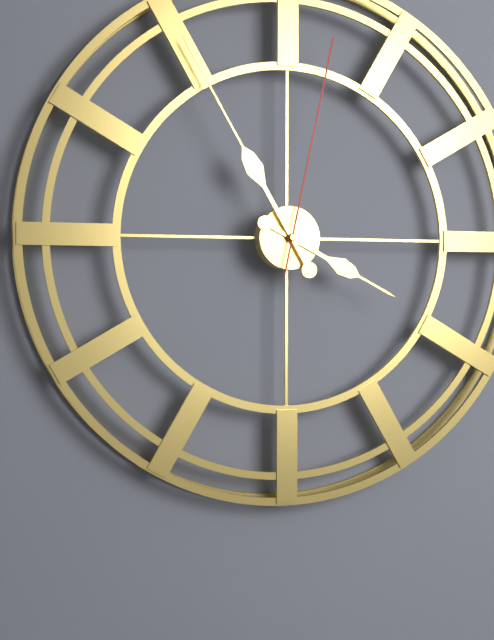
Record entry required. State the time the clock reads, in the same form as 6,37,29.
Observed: 3,55,02
